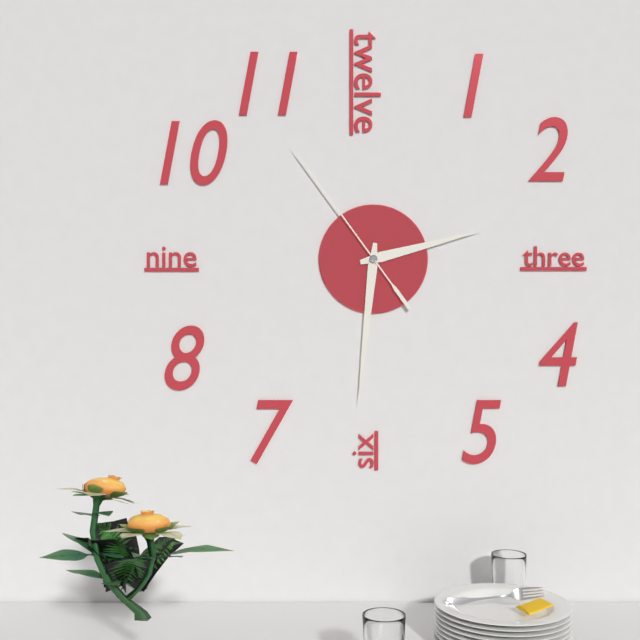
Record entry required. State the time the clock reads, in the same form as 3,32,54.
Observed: 2,31,54
